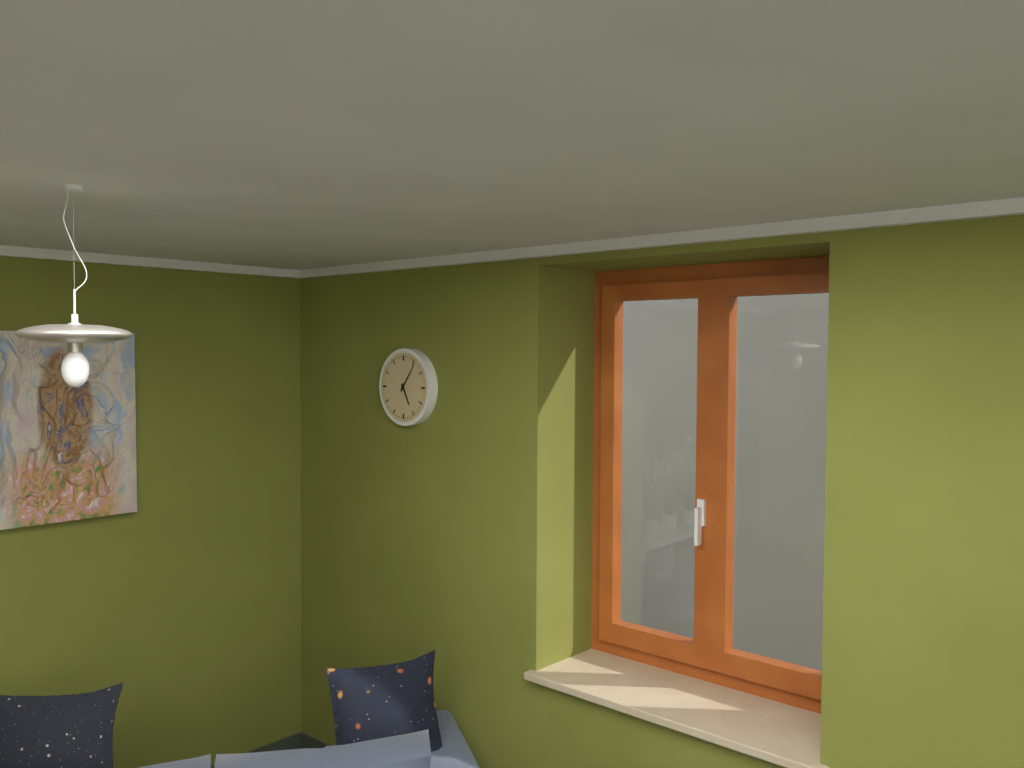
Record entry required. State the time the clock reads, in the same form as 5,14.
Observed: 5,06
